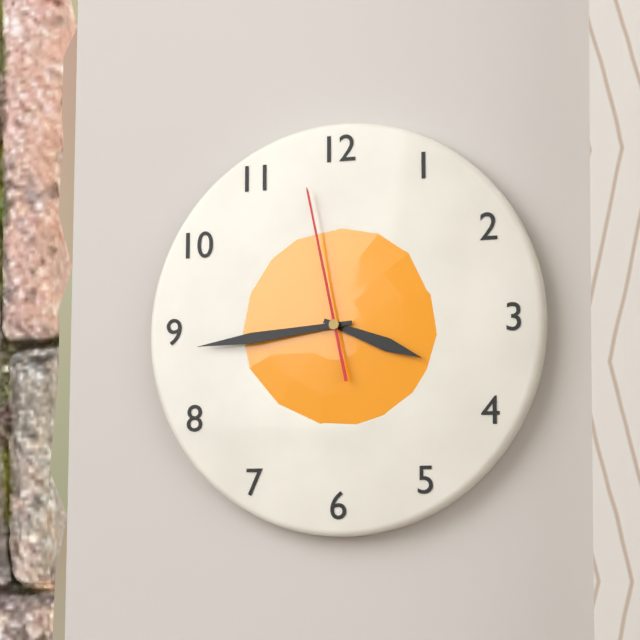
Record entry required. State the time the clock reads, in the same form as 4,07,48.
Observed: 3,44,58
